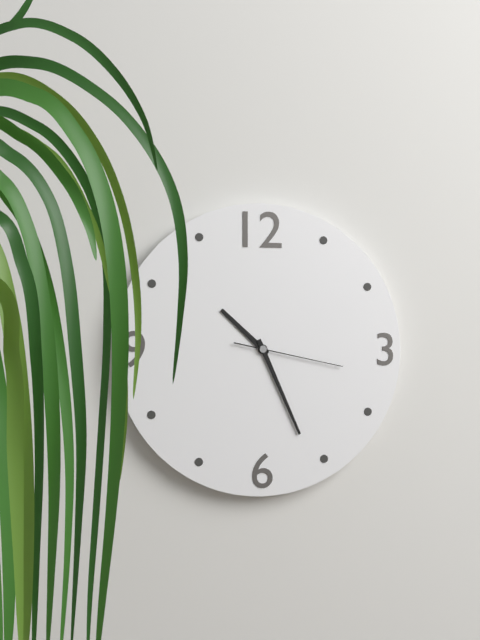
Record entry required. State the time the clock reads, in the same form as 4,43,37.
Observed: 10,26,17
